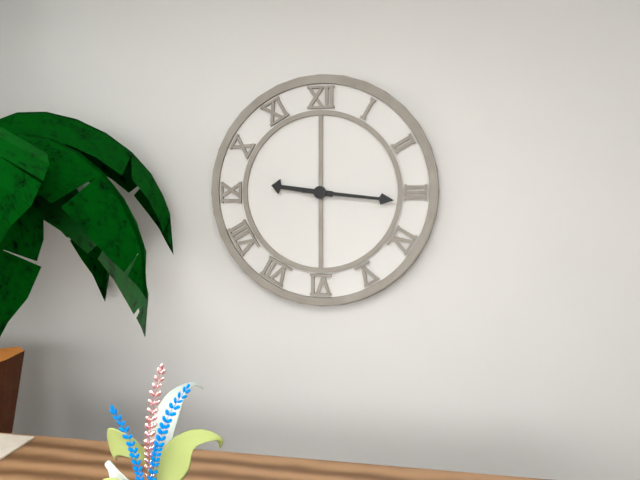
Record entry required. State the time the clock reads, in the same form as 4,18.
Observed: 9,16
